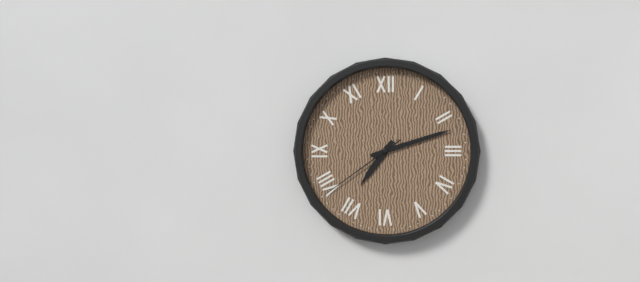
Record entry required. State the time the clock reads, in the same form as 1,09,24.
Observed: 7,12,39
